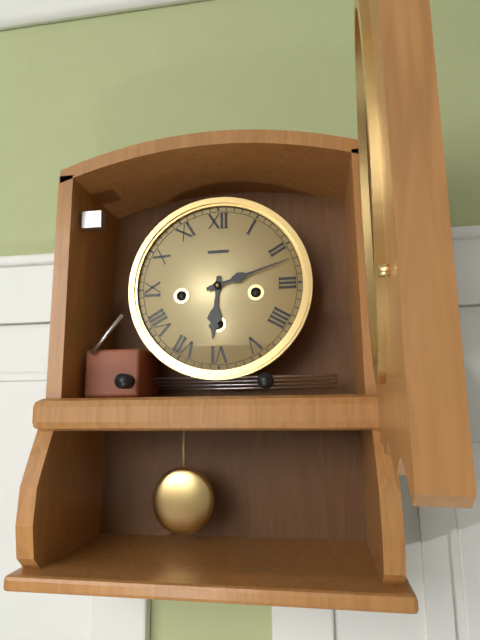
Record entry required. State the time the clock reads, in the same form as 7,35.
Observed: 6,12
